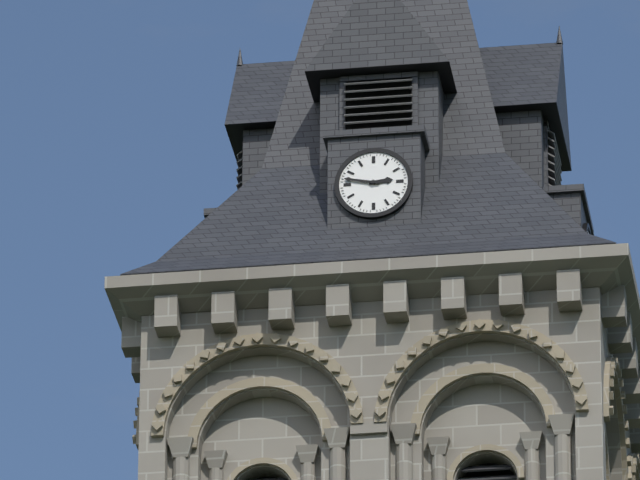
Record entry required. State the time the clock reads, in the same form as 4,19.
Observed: 2,47
